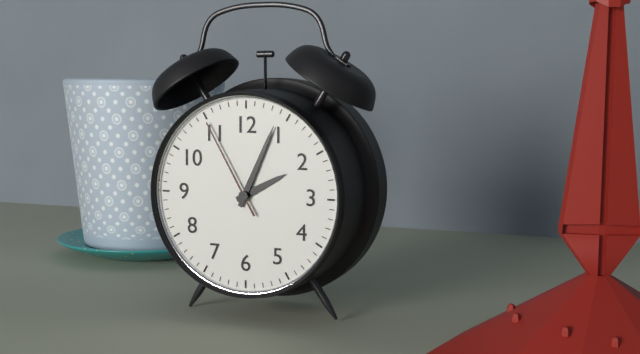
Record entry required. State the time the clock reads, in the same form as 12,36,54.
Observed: 2,04,55
